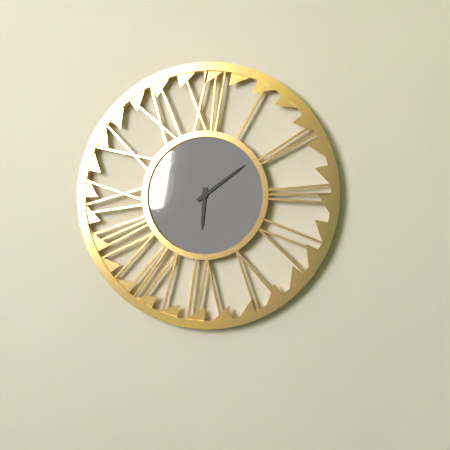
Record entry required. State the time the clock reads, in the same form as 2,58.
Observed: 6,09
